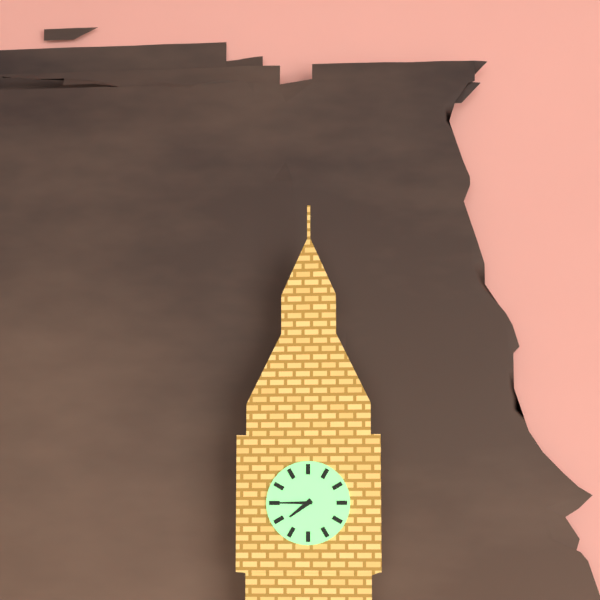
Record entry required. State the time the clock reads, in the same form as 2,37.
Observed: 7,45
